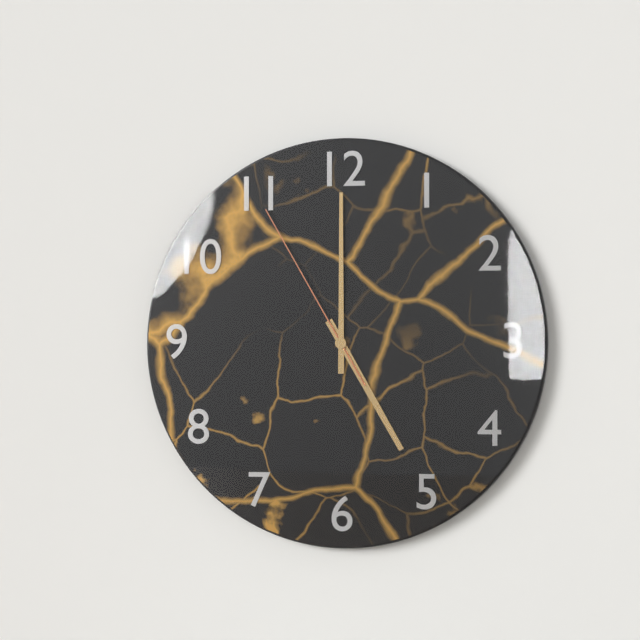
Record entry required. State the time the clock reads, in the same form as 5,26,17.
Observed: 5,00,55
